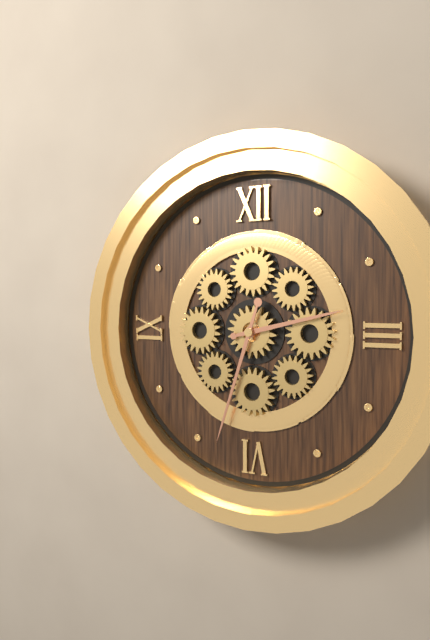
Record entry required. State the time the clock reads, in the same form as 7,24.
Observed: 2,33
